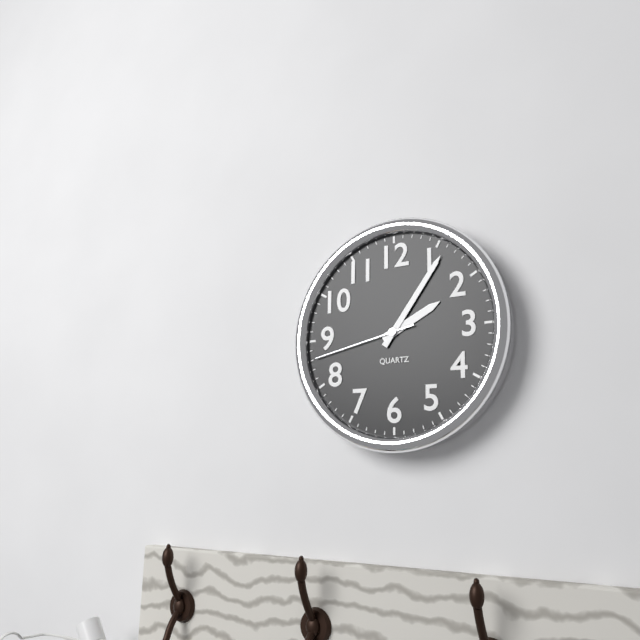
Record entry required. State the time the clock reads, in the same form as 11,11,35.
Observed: 2,06,43
